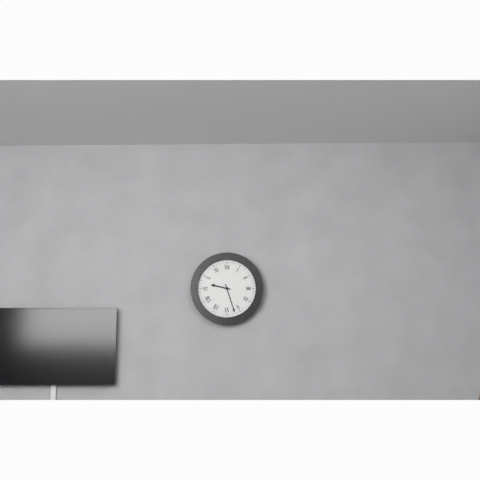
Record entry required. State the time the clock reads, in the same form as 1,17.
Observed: 9,27
